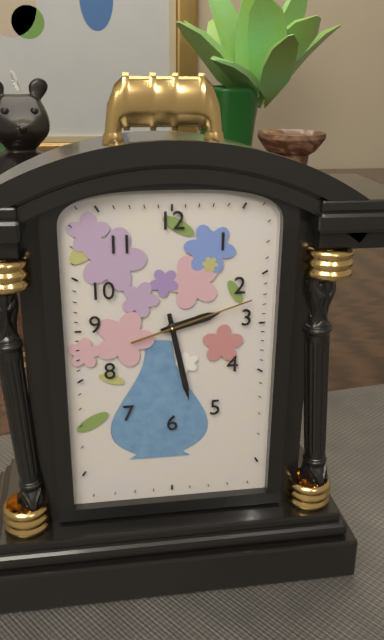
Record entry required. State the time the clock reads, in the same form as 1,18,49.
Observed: 2,28,12
